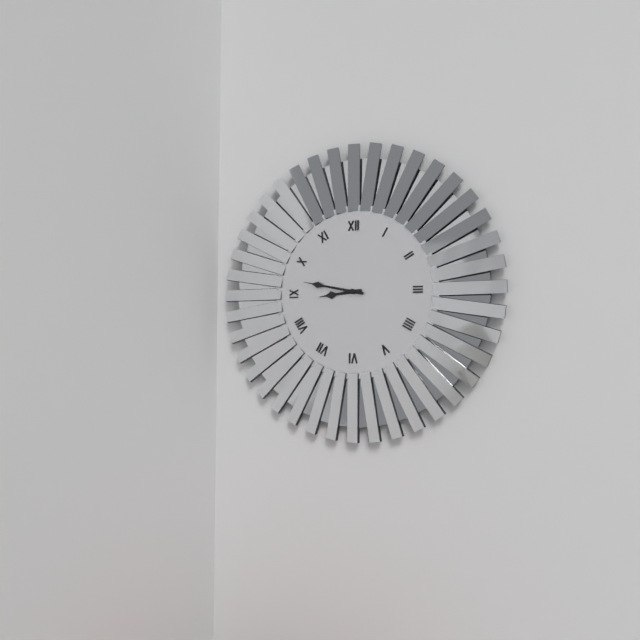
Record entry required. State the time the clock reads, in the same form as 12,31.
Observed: 8,47
